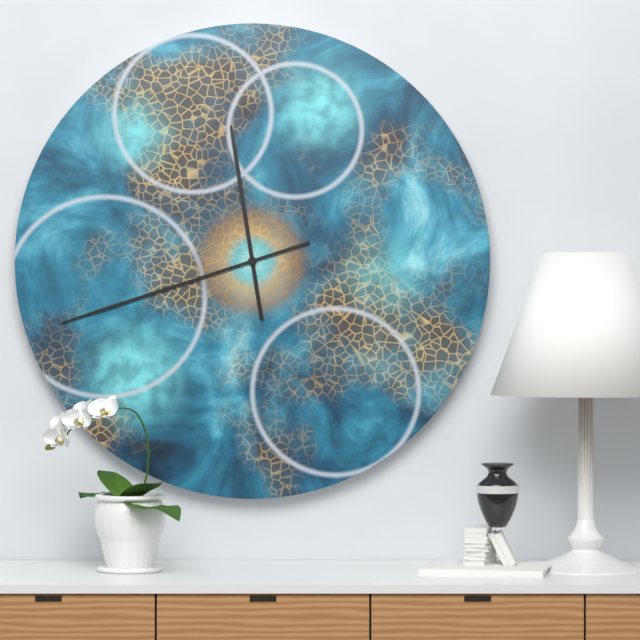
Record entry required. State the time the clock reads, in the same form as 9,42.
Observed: 11,42
